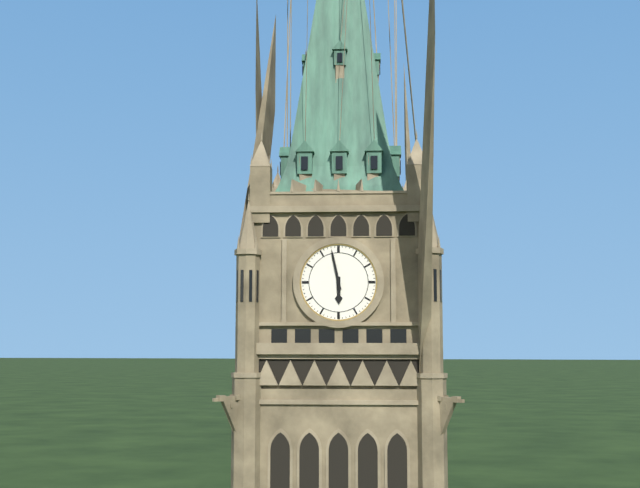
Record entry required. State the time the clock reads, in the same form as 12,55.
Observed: 5,58
